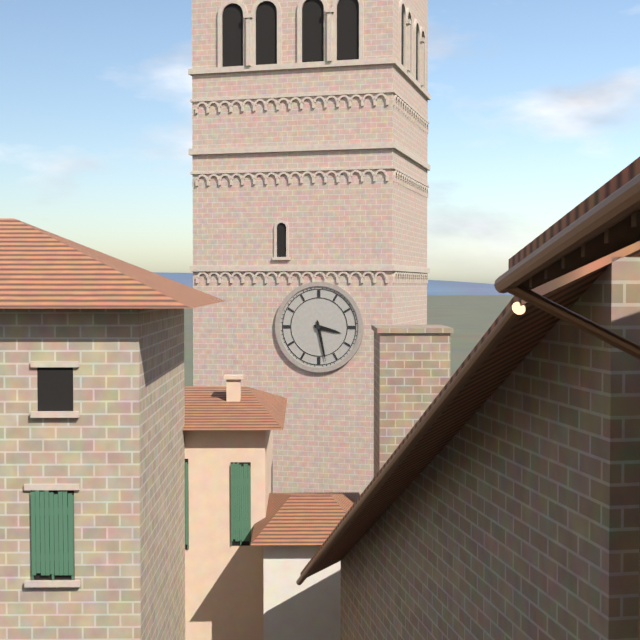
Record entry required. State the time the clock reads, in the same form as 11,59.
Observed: 3,28
